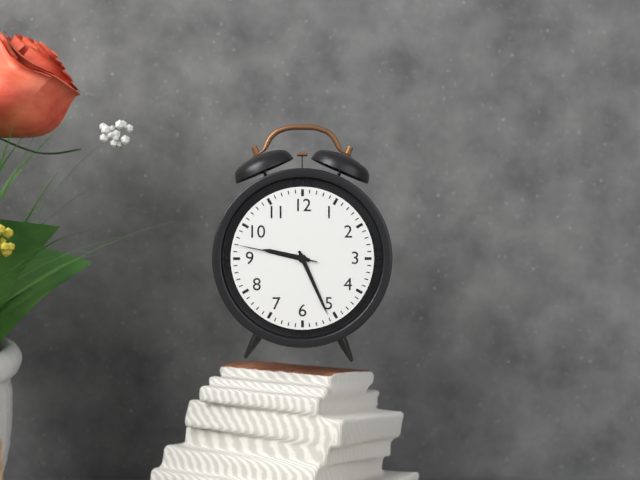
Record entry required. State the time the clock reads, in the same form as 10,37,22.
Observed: 9,26,47
